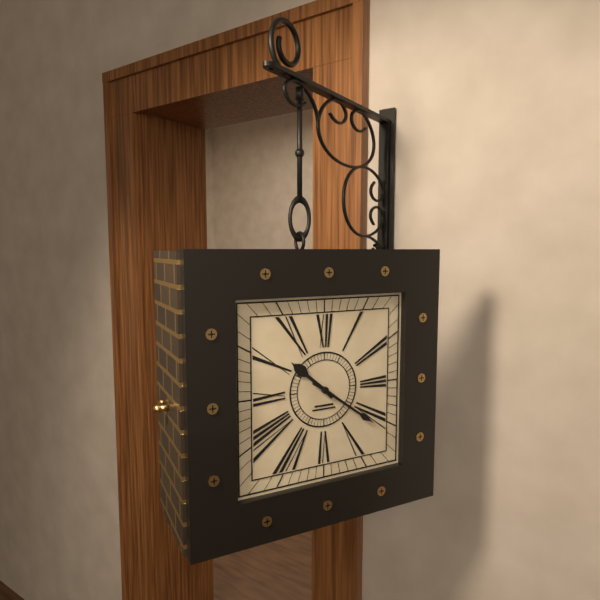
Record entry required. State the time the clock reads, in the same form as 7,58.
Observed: 10,21
